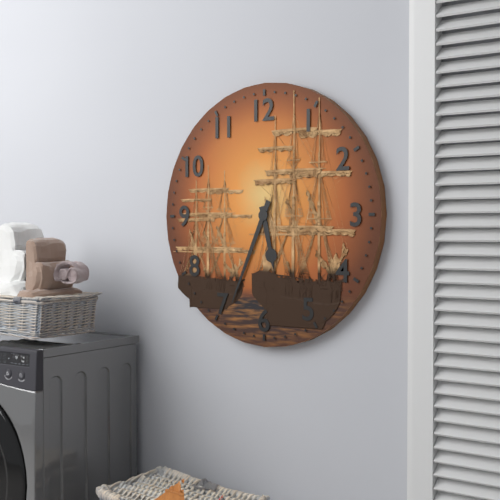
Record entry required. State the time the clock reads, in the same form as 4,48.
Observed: 5,34
